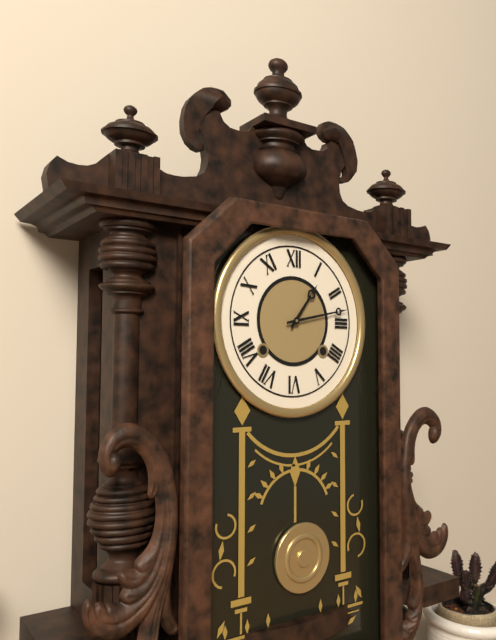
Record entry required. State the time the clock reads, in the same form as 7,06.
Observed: 1,13
